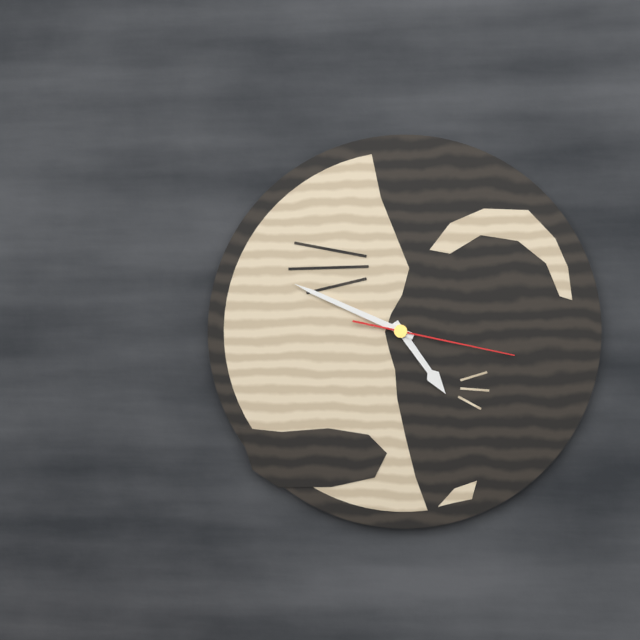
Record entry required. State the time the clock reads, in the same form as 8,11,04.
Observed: 4,49,17
